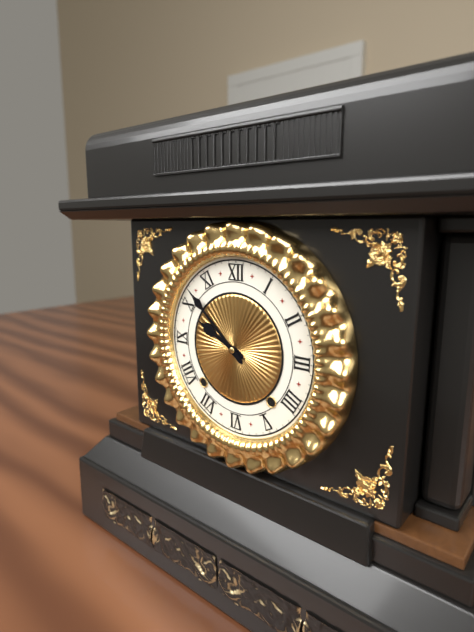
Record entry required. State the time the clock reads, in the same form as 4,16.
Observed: 9,52
